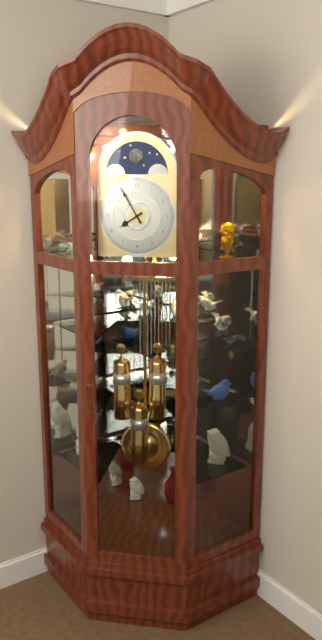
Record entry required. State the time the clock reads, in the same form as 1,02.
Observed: 7,55
